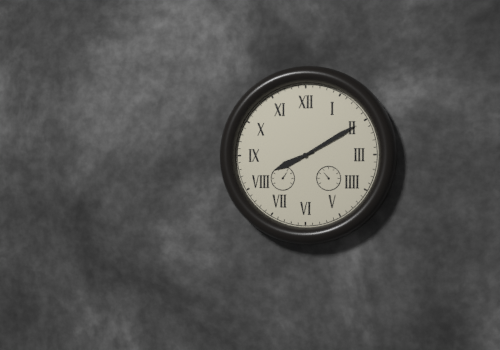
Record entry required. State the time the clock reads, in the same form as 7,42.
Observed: 8,10
